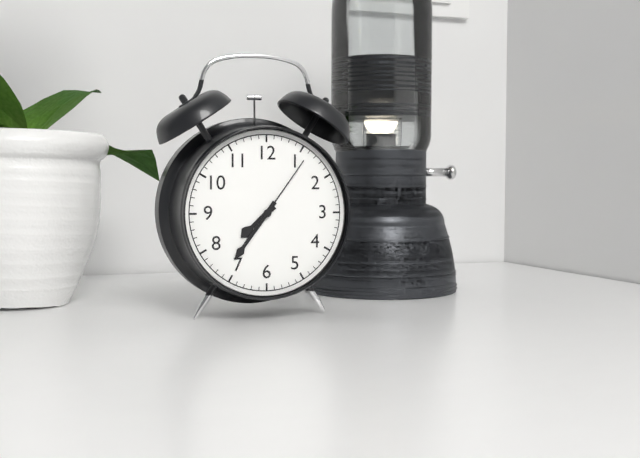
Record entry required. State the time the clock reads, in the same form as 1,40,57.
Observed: 7,36,06
